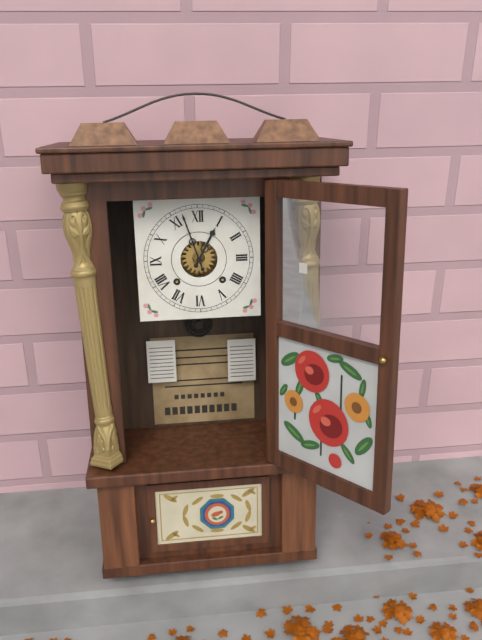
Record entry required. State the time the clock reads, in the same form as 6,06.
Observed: 12,57
